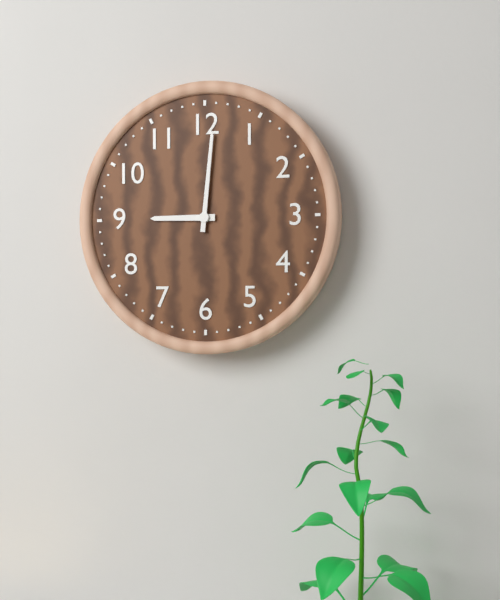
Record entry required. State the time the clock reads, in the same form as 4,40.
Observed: 9,01
